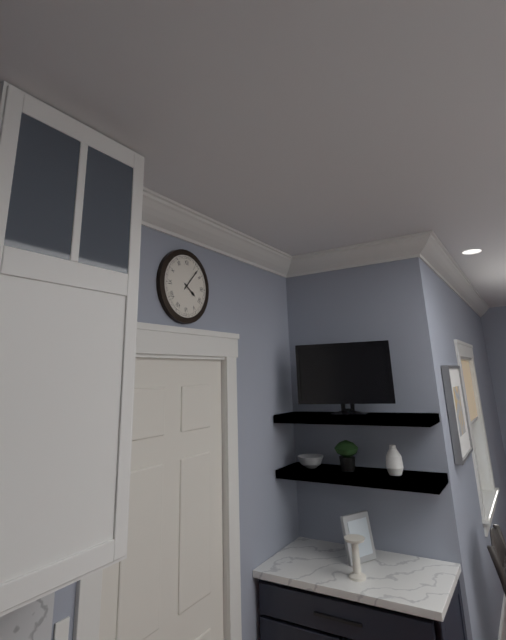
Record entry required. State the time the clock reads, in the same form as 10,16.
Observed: 4,07
